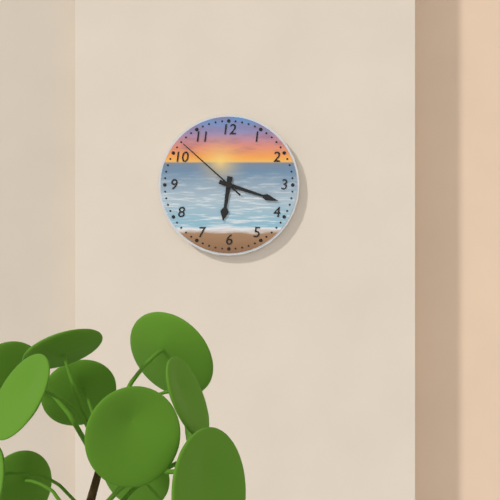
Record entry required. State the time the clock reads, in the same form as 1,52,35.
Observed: 6,18,52
